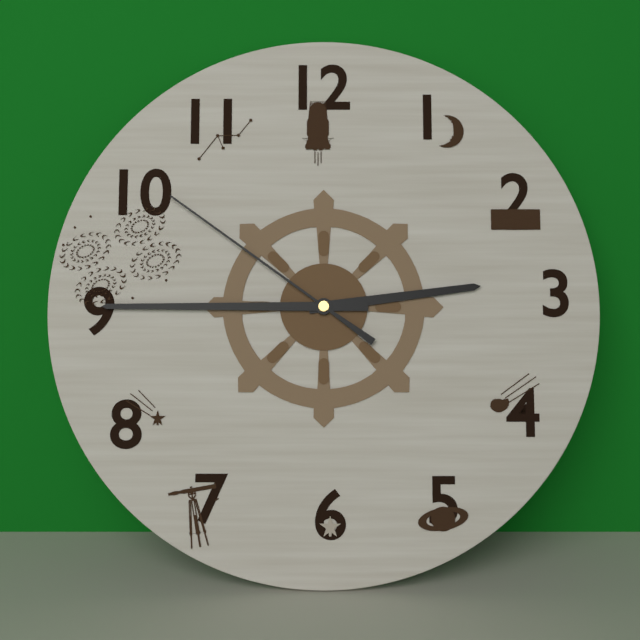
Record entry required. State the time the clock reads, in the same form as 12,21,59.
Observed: 2,45,51
